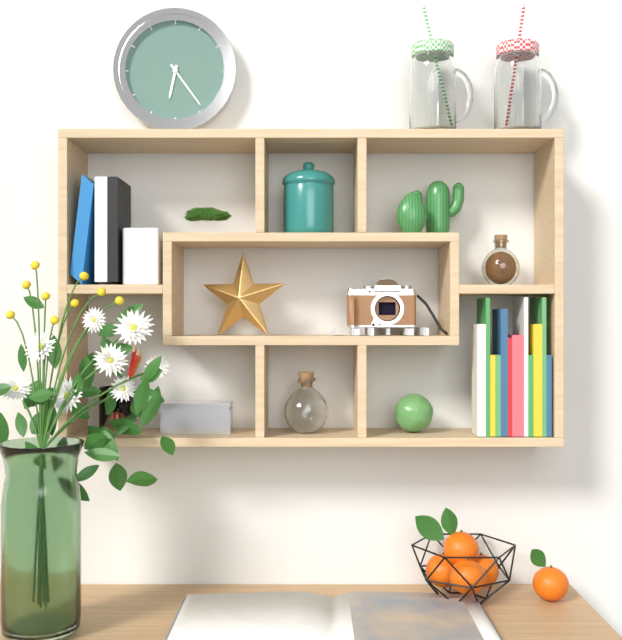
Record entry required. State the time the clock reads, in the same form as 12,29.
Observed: 6,24
